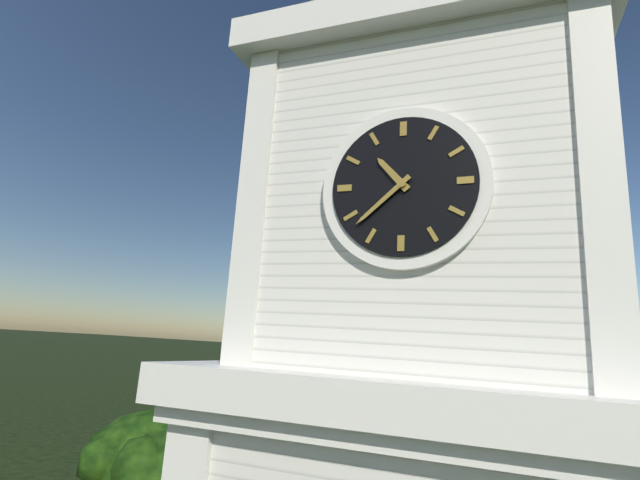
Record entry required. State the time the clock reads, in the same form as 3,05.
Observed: 10,38
